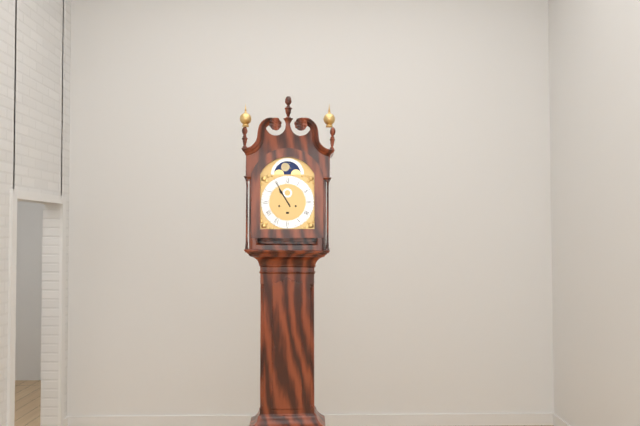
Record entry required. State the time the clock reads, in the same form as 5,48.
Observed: 10,55
